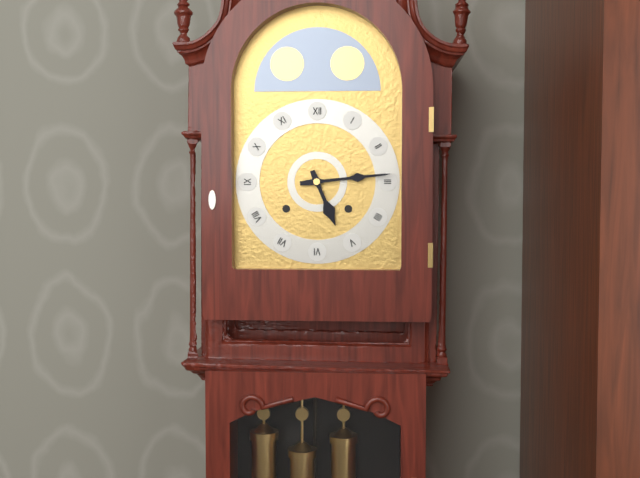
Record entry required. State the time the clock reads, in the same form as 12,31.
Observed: 5,14
